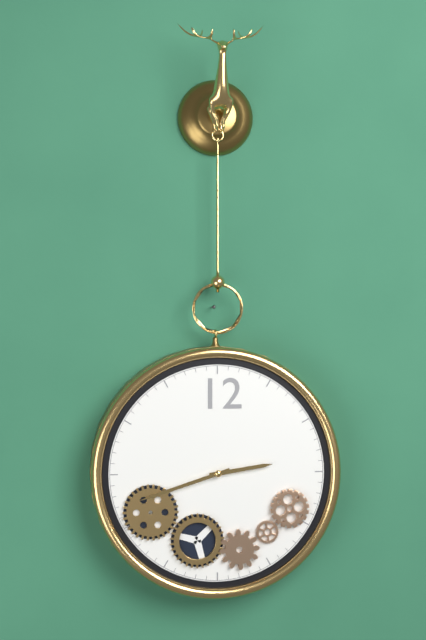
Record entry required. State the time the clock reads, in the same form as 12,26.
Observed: 2,42
